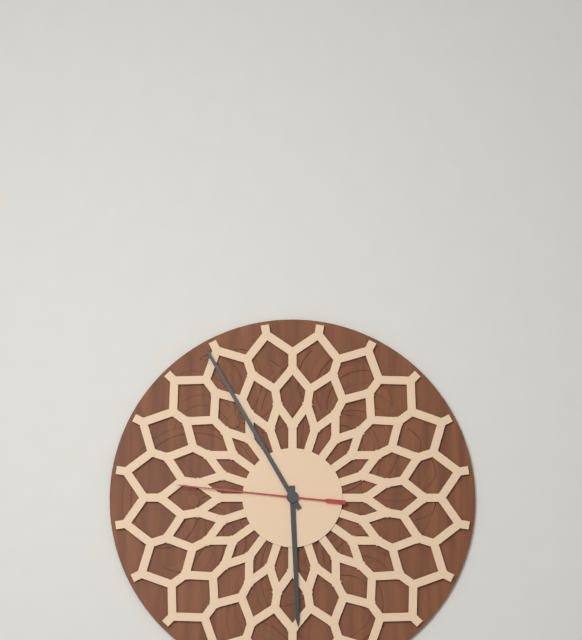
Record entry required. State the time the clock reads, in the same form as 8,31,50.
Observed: 5,55,46
